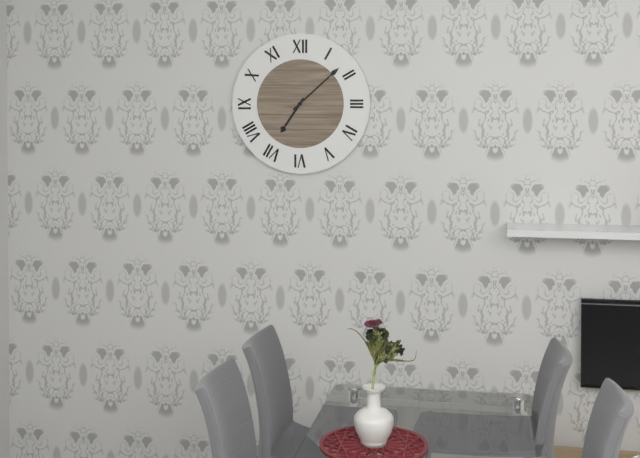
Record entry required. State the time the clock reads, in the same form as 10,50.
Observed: 7,08
